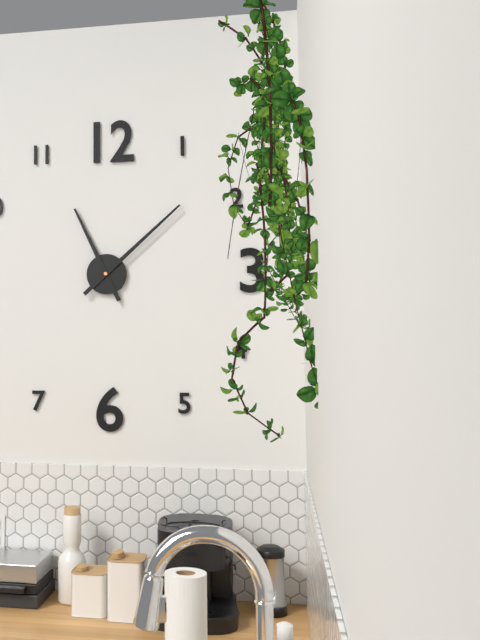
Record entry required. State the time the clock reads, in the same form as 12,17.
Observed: 11,08
